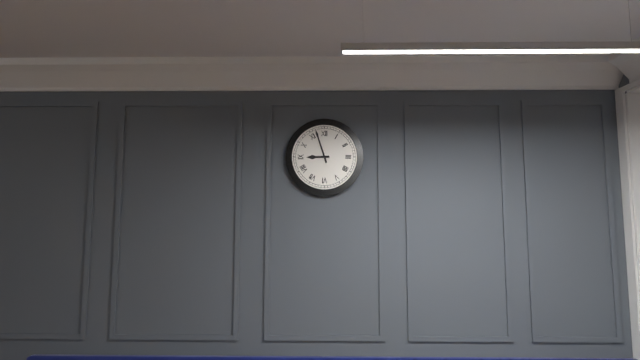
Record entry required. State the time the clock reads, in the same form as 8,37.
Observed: 8,57
